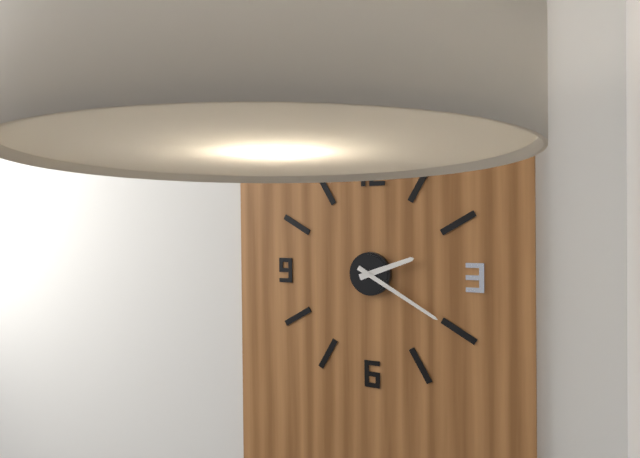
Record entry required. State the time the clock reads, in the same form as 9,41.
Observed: 2,20
